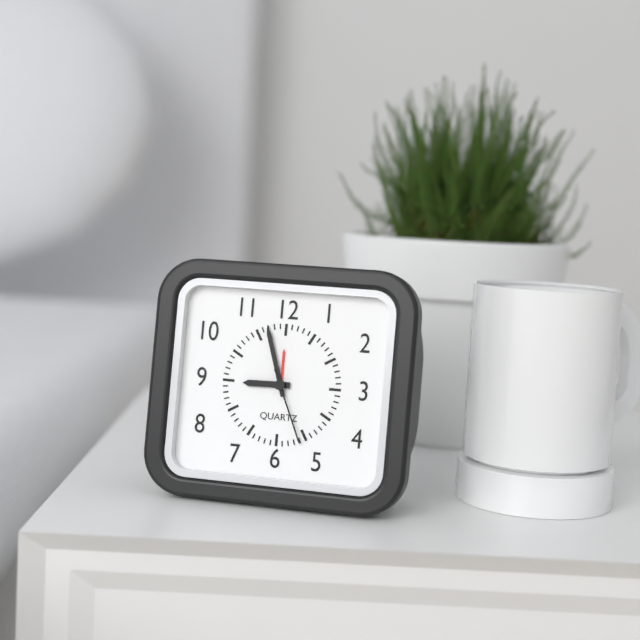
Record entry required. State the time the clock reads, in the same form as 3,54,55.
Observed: 8,57,26
